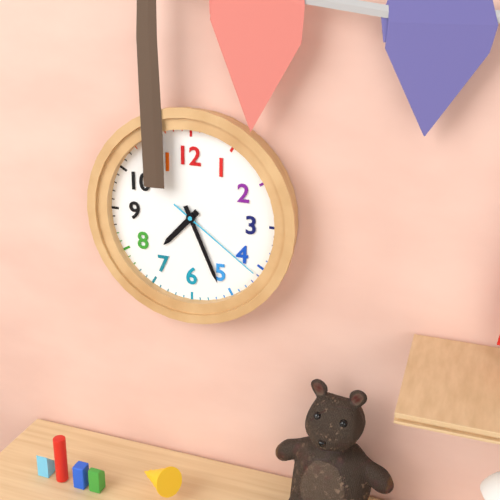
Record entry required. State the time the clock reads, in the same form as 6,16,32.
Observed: 7,26,21
